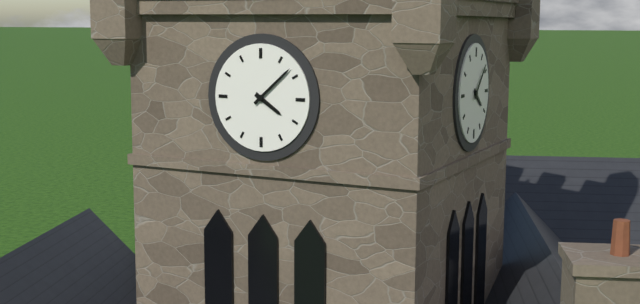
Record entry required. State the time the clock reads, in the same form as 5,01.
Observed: 4,08
